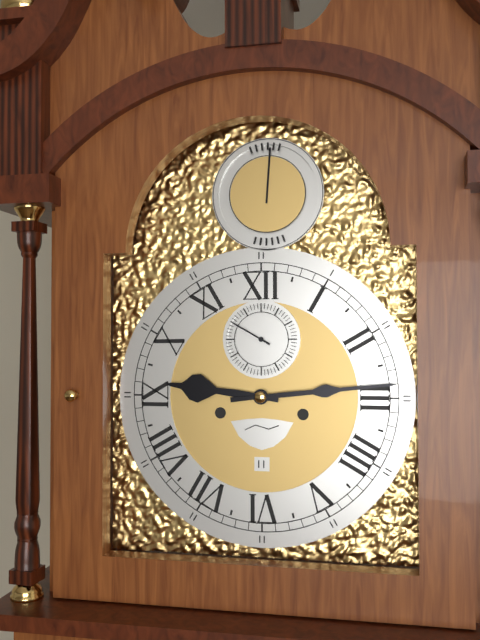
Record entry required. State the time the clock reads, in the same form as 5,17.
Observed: 9,14
